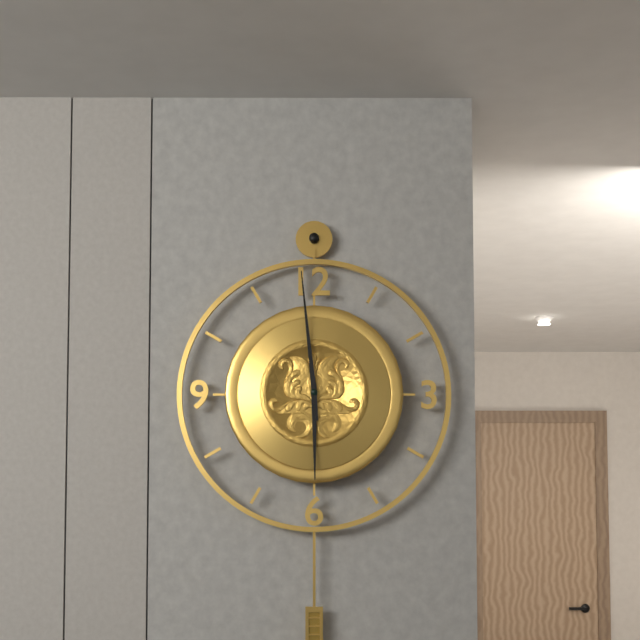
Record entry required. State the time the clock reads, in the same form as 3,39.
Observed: 5,59
